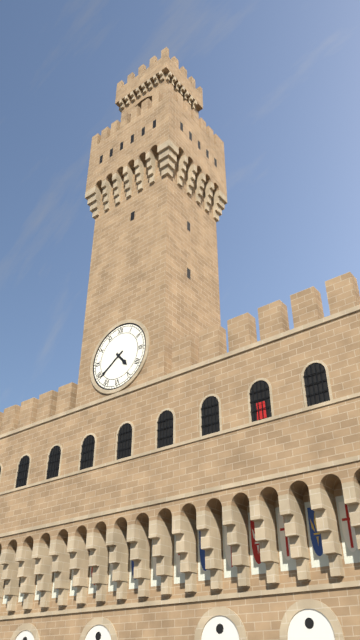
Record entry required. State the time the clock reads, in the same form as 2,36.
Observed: 4,39
